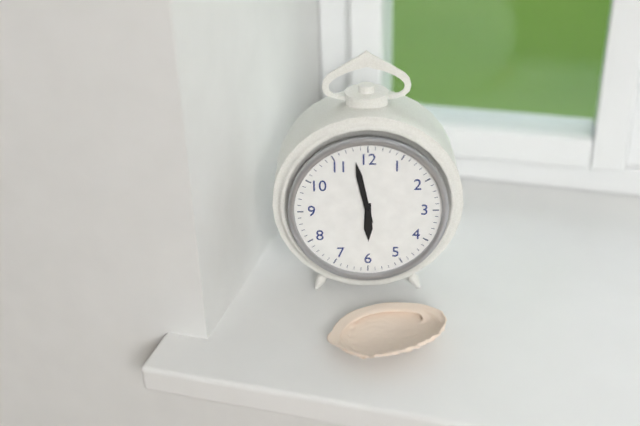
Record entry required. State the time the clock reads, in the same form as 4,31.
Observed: 5,58
